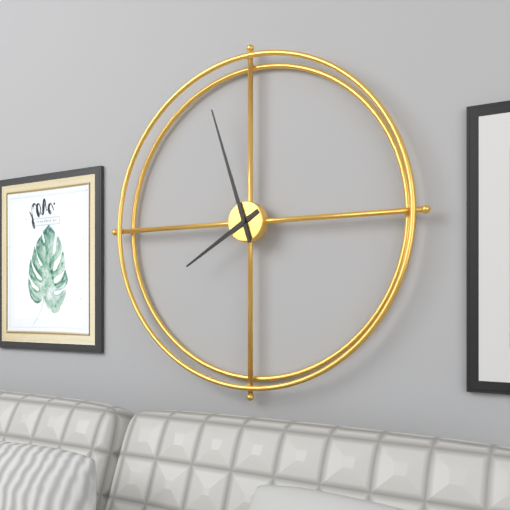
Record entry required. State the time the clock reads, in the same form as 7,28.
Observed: 7,57
